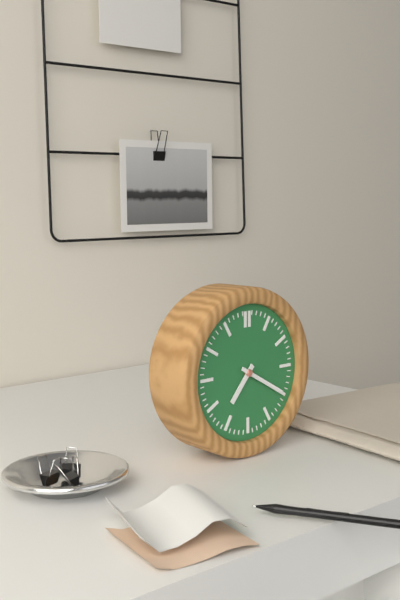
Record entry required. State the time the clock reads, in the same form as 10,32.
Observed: 7,20
